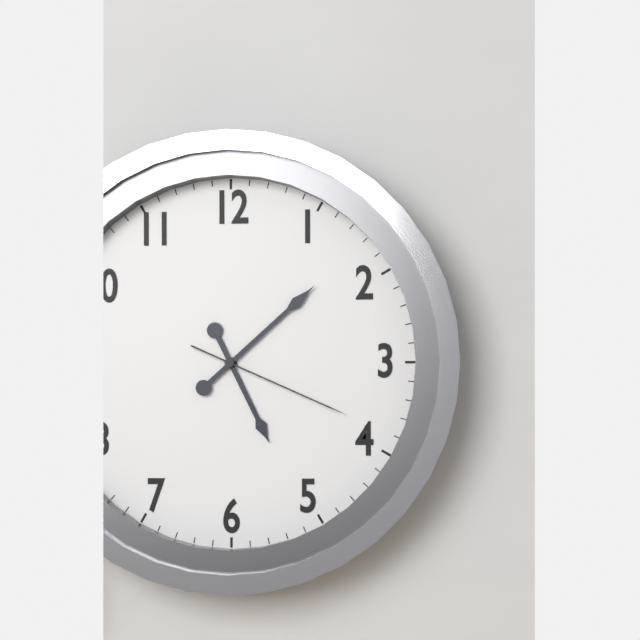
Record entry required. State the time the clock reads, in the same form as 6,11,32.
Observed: 5,08,19
